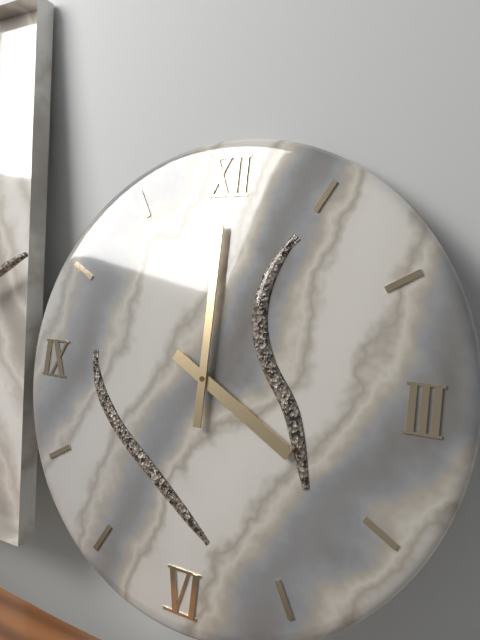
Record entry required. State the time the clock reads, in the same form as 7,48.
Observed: 4,00
